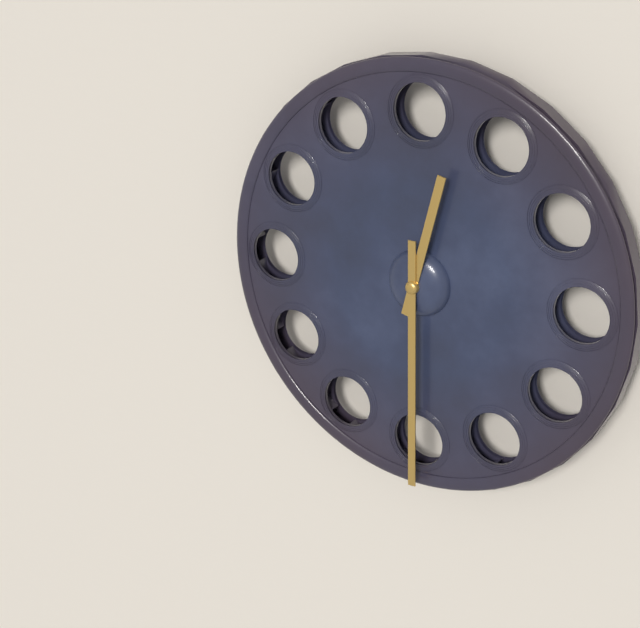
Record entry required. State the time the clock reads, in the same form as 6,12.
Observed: 12,30
